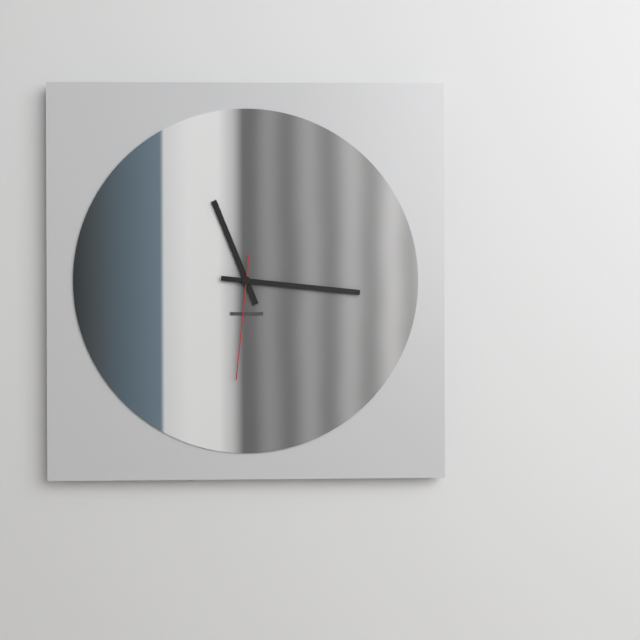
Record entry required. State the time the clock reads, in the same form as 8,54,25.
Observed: 11,16,31
